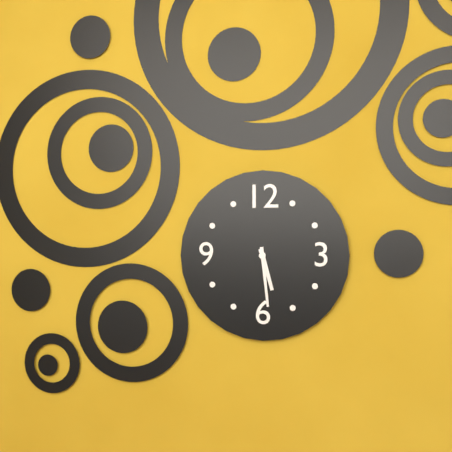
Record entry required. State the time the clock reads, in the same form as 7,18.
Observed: 5,29
